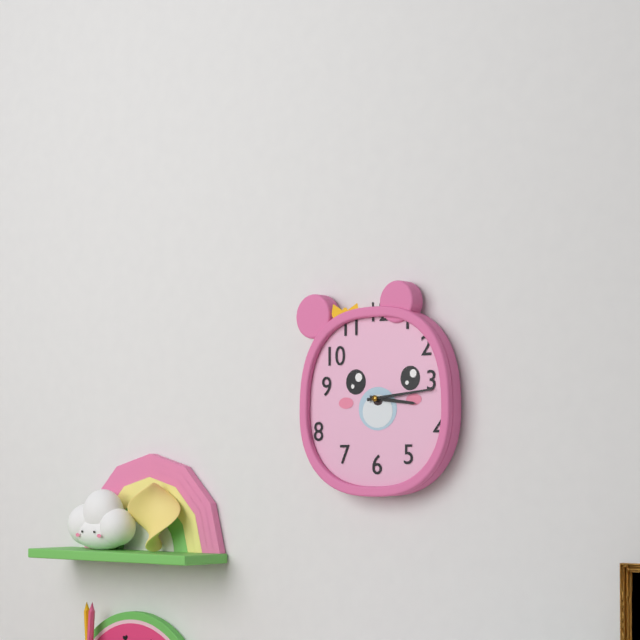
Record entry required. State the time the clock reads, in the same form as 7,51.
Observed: 3,14
